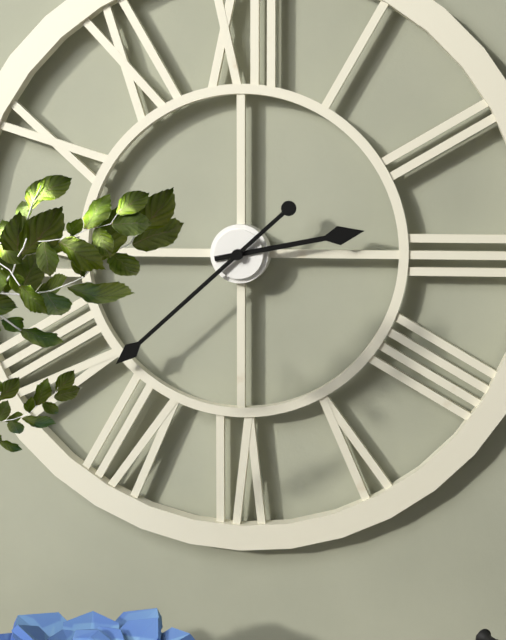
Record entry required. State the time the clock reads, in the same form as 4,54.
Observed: 2,38
